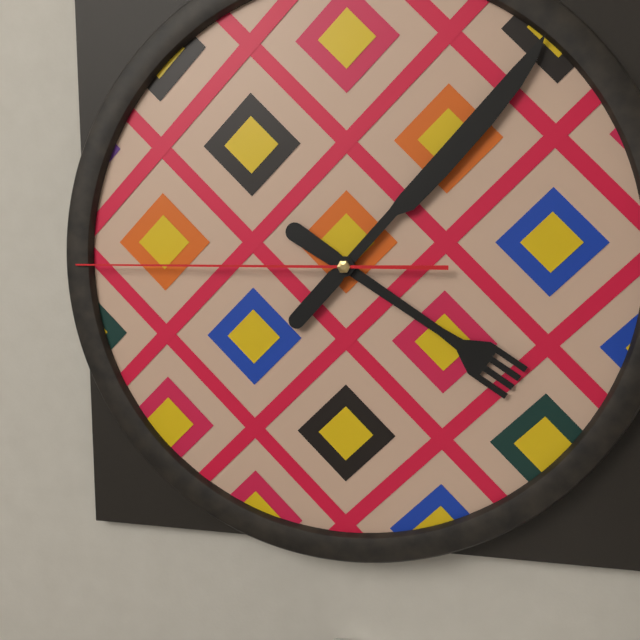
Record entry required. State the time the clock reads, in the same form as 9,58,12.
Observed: 4,07,45
